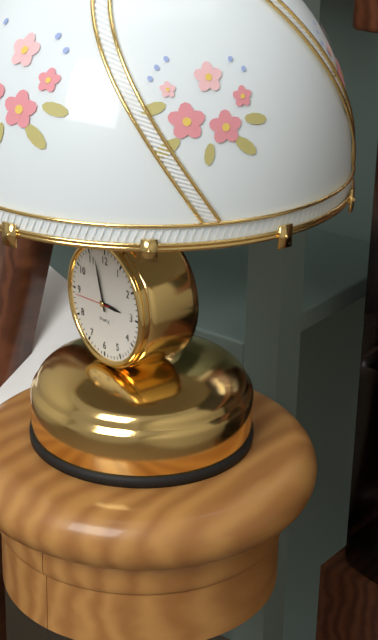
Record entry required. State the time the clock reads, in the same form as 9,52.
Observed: 2,57
